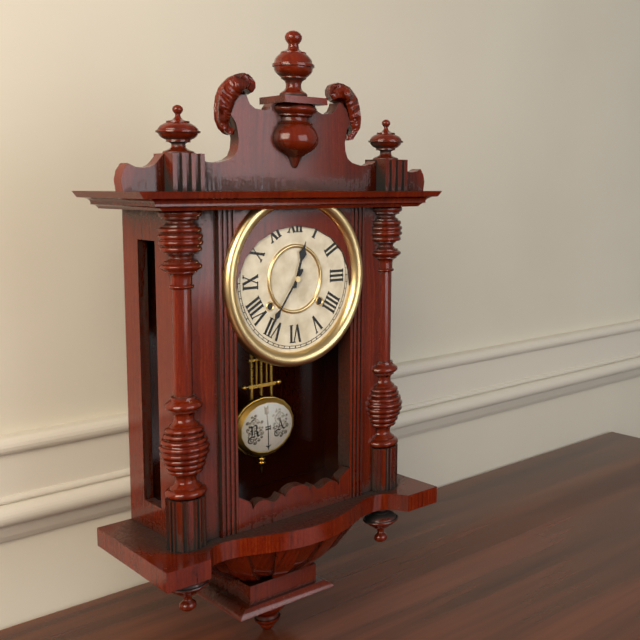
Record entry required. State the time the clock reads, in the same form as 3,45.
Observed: 12,36
